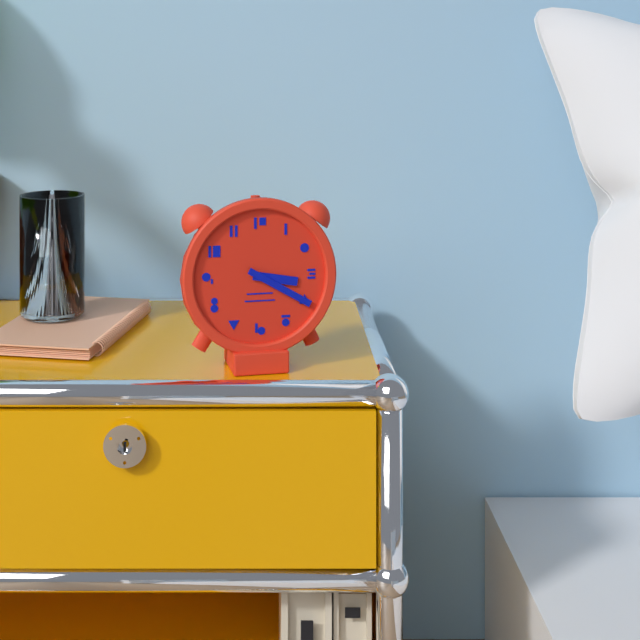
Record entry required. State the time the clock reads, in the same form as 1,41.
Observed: 3,20
